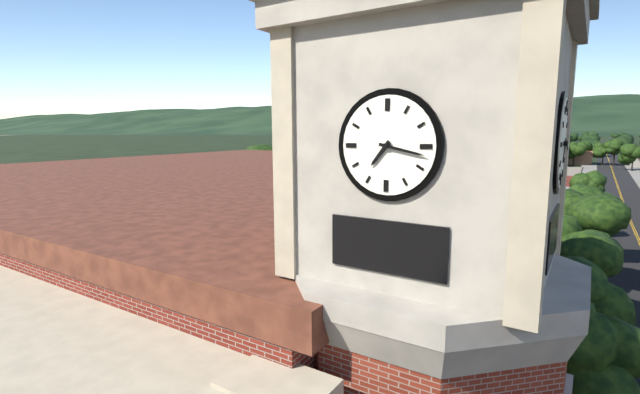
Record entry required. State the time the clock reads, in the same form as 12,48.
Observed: 7,17
